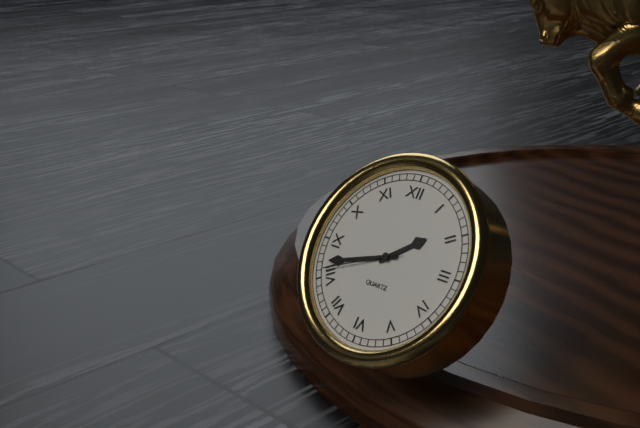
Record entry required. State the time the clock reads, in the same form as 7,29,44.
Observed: 1,42,41
